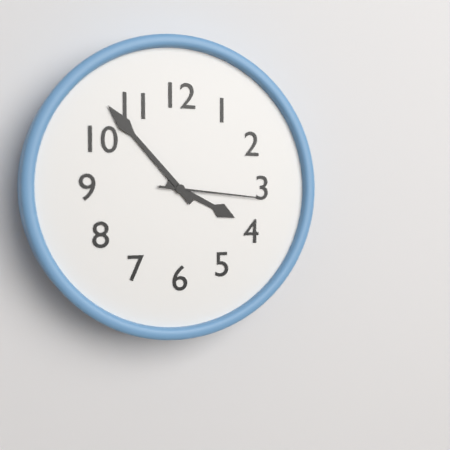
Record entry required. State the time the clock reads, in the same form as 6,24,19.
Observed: 3,53,16
